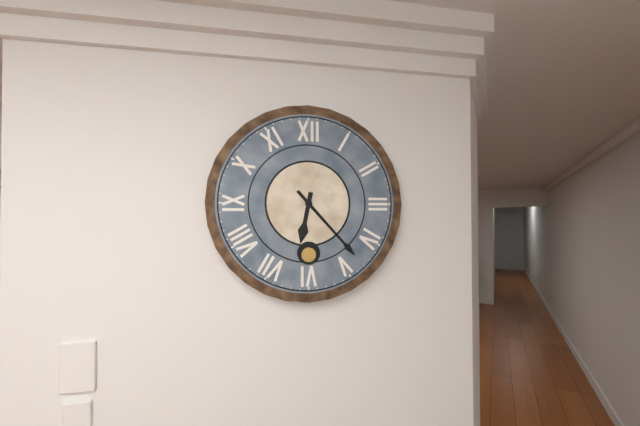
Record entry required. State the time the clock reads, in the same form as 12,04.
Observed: 6,23
